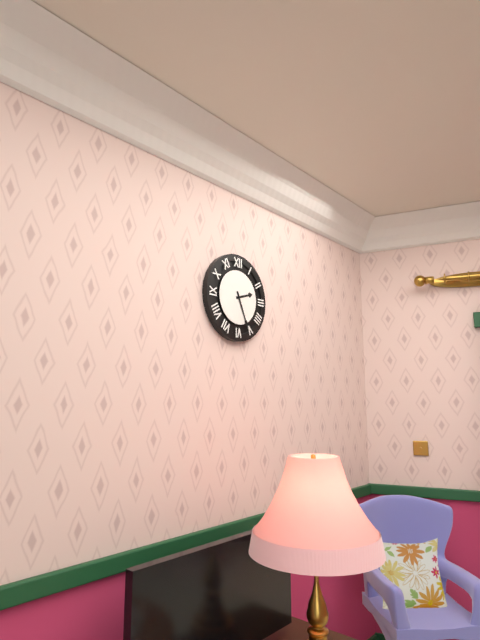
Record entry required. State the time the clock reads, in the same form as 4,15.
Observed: 2,26
